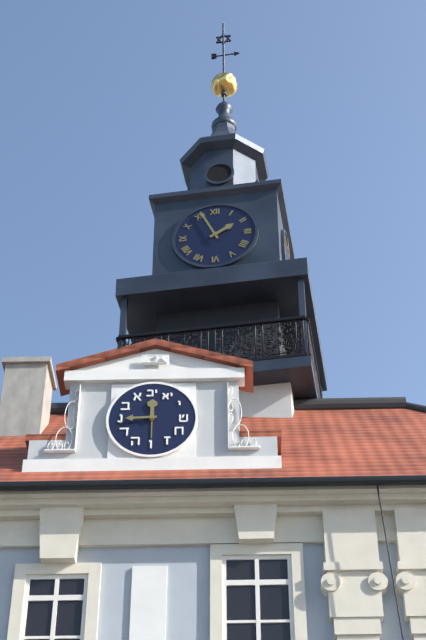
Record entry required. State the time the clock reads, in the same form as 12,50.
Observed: 1,56
